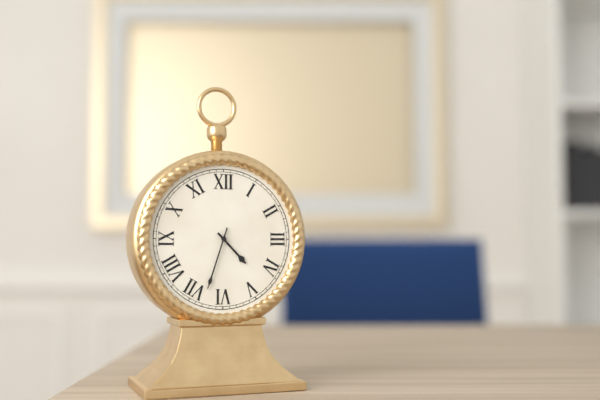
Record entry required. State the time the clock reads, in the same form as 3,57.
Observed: 4,33
